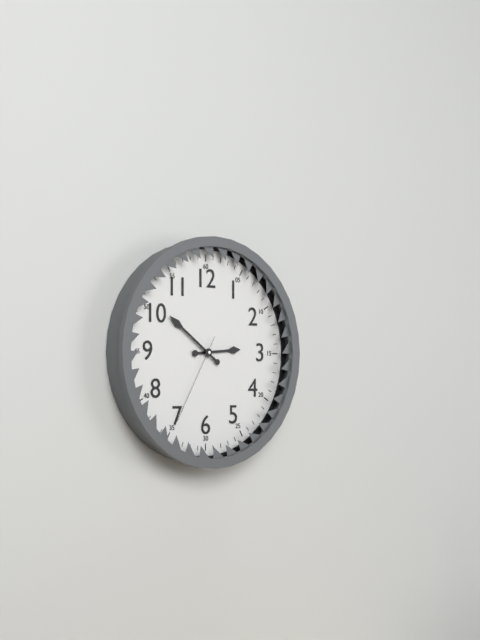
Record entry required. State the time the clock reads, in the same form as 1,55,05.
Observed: 2,51,35
